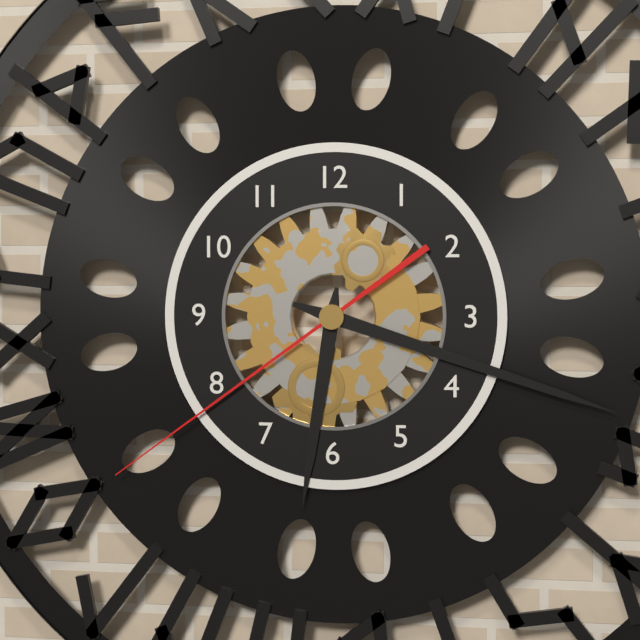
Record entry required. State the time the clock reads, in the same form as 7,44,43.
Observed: 6,18,39
